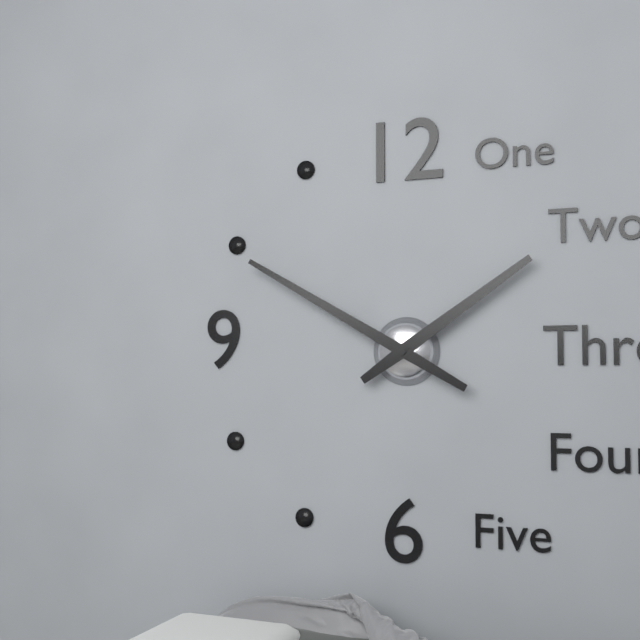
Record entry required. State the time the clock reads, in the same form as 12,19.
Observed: 1,50
